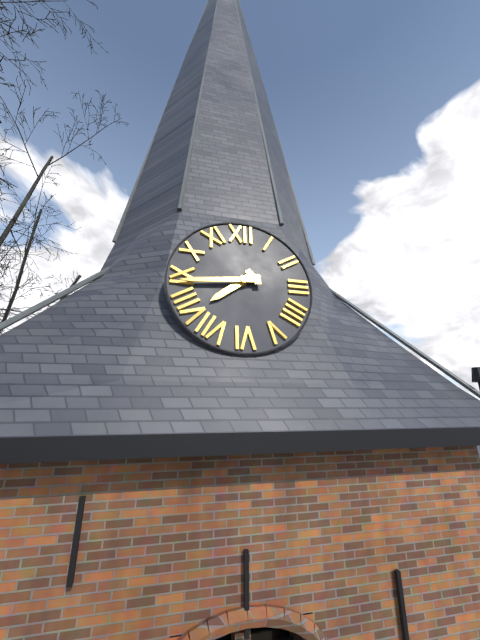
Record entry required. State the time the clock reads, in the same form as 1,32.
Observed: 7,44
